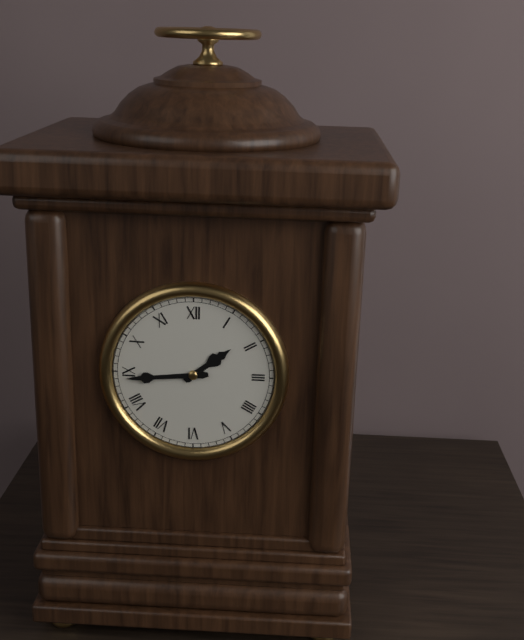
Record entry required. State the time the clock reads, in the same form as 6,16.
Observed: 1,44
